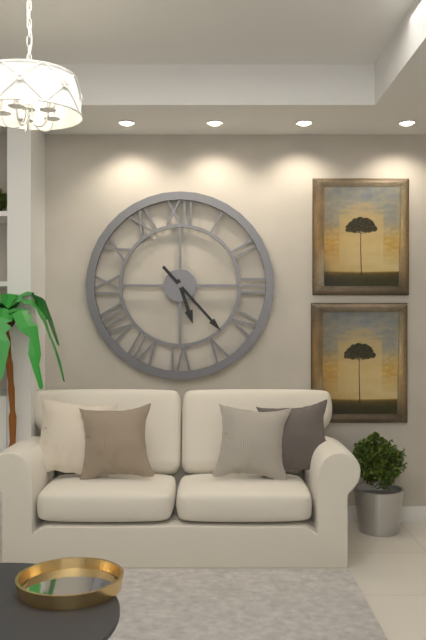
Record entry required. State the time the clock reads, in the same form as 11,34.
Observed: 5,23
